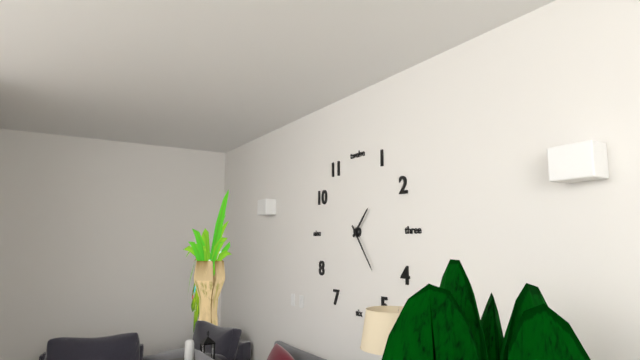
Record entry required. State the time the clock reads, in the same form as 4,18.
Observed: 1,24
